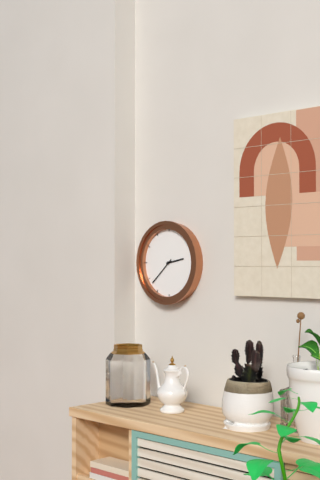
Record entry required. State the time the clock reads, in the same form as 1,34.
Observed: 2,38
